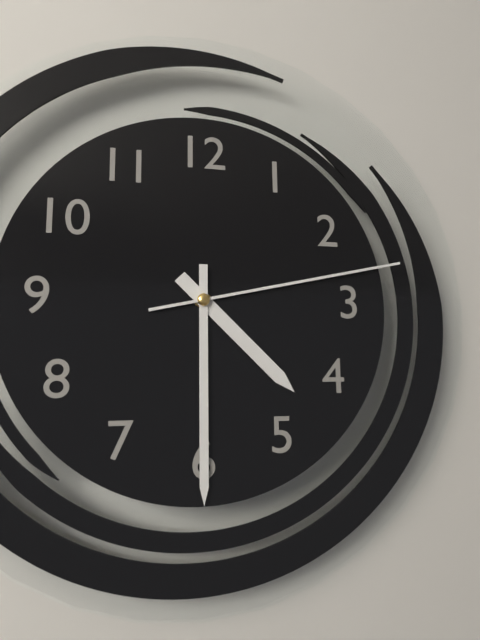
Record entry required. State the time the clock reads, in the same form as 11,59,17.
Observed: 4,30,13
